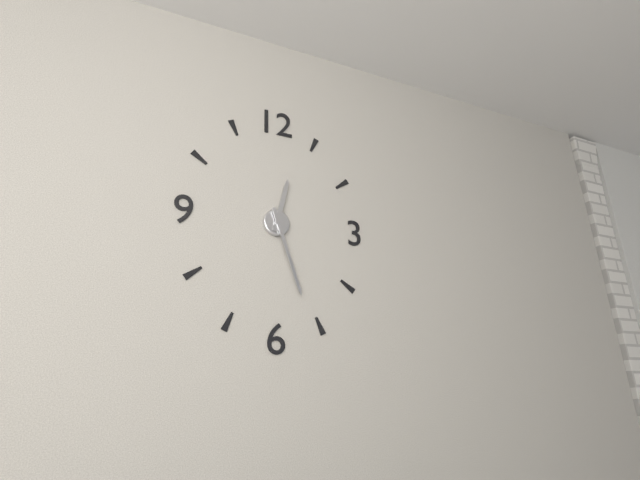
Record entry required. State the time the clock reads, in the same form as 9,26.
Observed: 12,27
